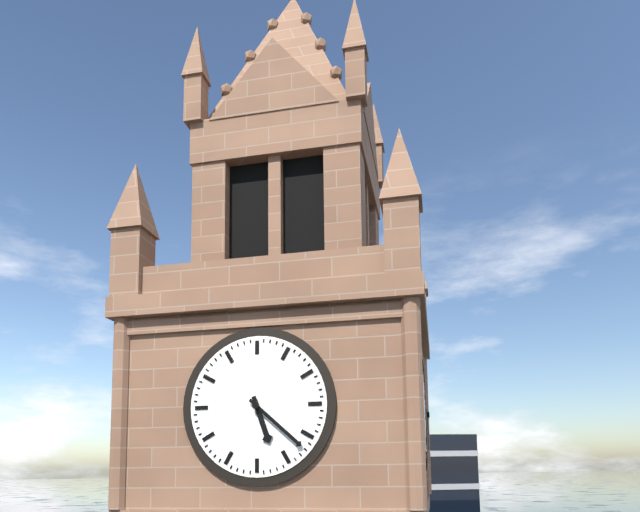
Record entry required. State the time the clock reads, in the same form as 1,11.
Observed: 5,22
